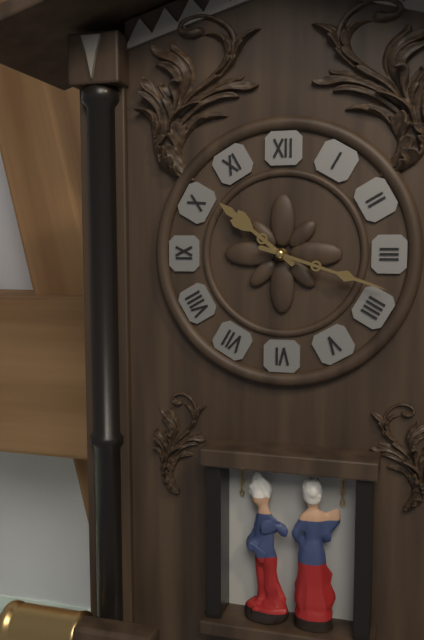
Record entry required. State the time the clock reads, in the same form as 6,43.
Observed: 10,18
